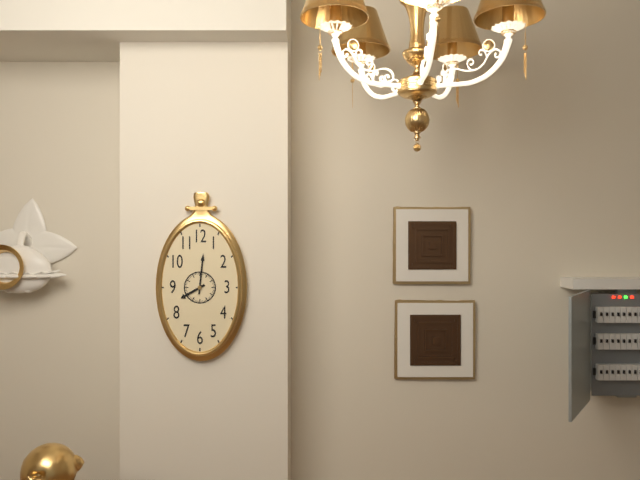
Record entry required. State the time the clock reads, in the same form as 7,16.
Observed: 8,01
